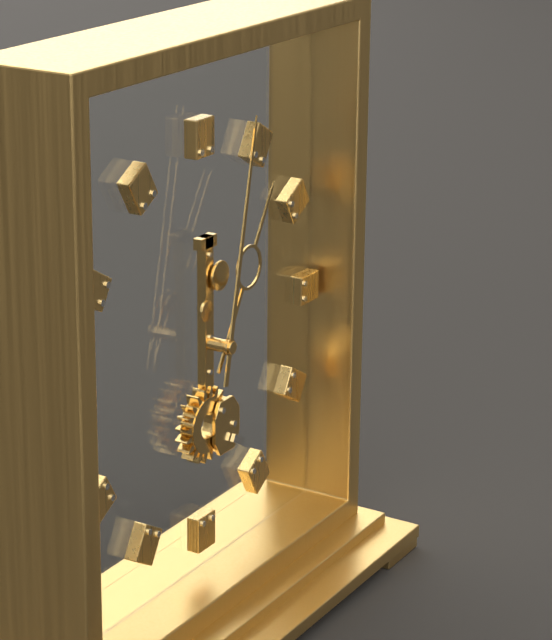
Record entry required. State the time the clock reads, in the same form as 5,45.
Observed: 1,02
